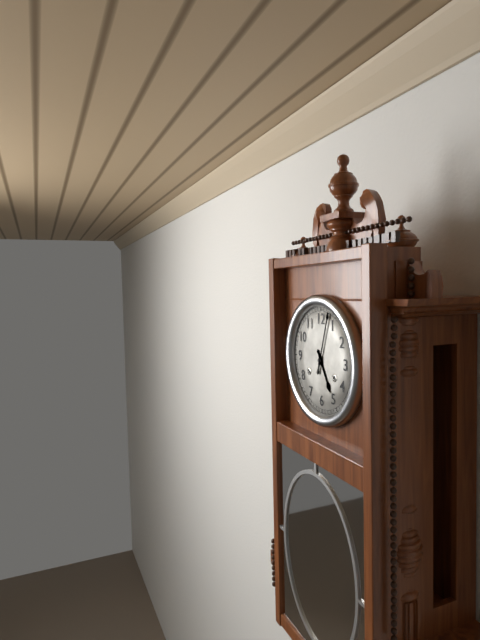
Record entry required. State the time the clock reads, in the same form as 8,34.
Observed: 5,03
